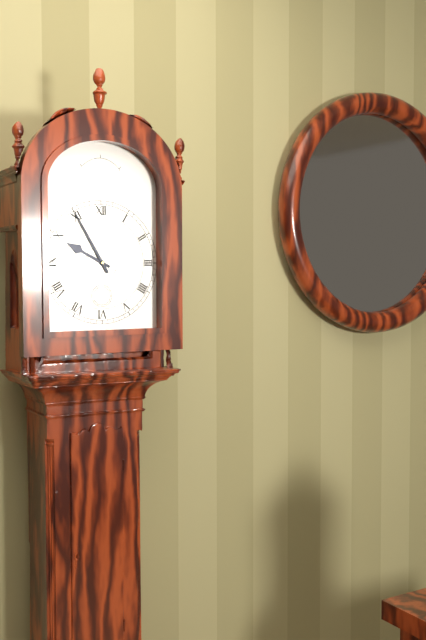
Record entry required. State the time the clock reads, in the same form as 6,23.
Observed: 9,55
